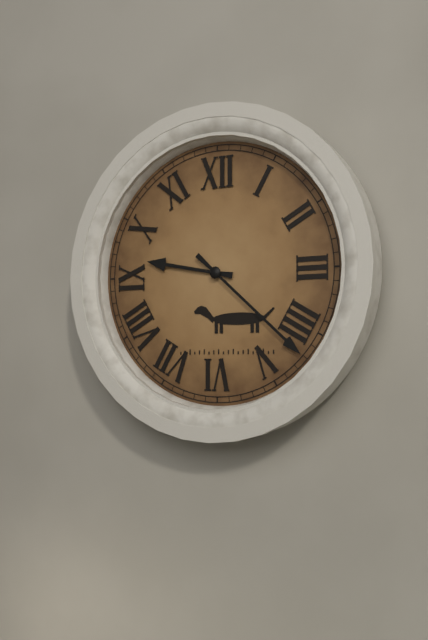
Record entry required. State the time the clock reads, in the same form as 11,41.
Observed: 9,22
